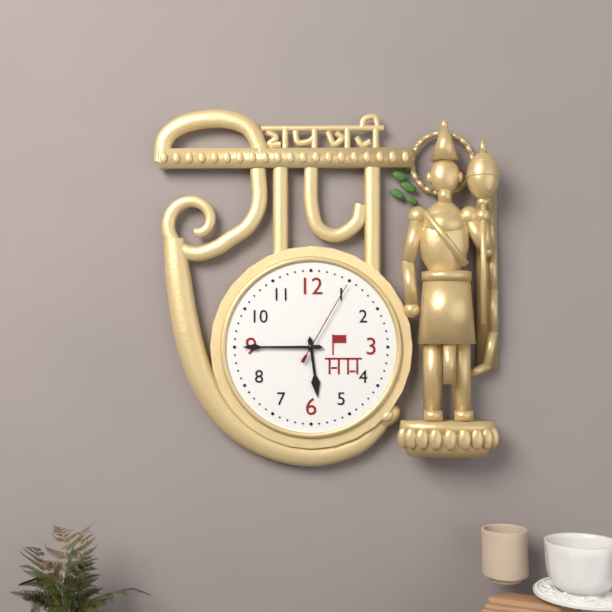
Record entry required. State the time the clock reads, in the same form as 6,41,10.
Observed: 5,45,05
